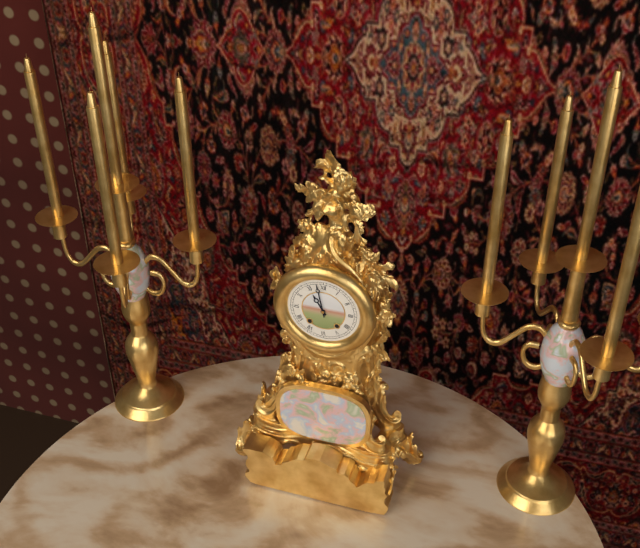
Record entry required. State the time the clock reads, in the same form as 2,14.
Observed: 10,58
